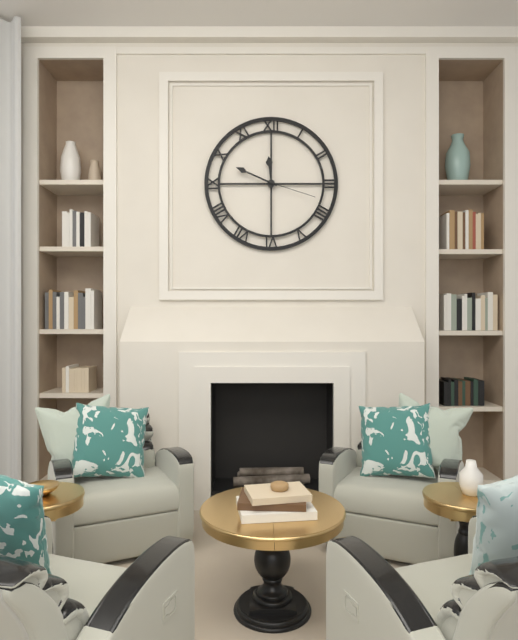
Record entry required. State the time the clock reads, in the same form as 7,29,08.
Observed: 11,49,18
